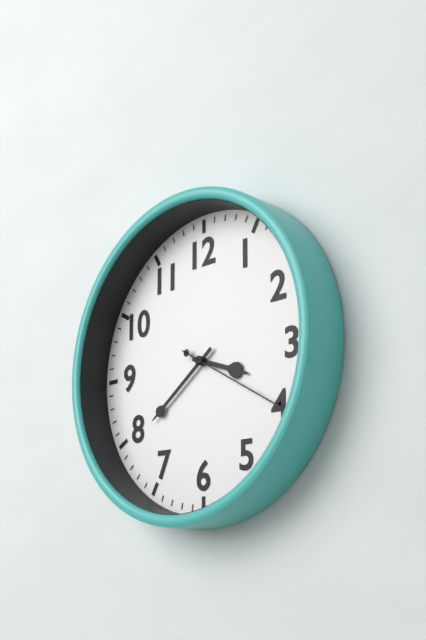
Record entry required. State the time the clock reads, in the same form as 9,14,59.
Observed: 3,39,20
